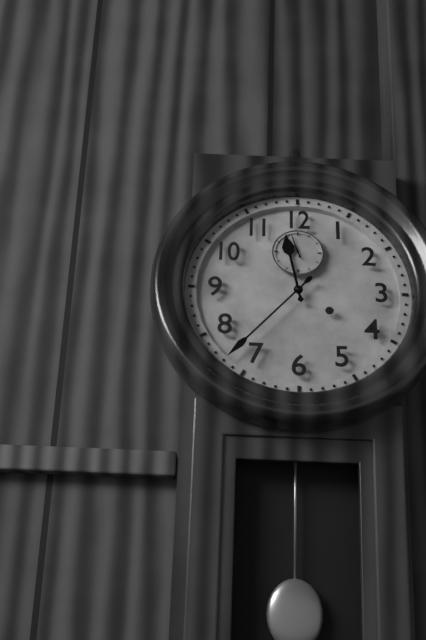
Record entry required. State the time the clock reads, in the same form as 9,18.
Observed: 11,37
